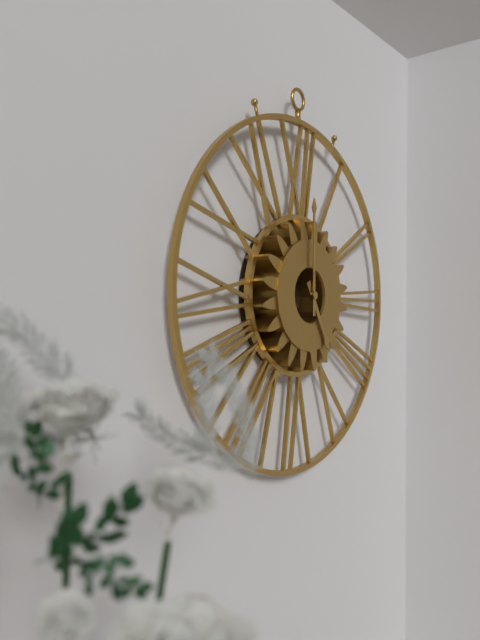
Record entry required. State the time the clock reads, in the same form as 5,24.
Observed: 5,00
